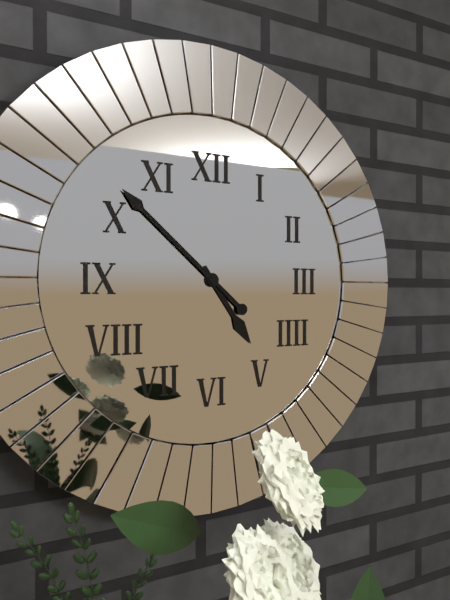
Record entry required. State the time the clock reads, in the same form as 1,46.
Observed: 4,52
